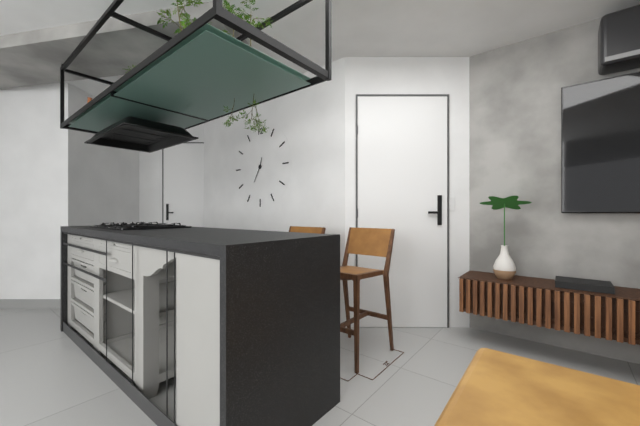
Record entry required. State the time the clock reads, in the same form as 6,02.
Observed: 12,35
